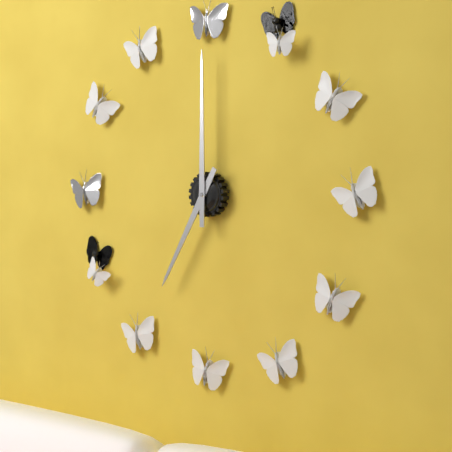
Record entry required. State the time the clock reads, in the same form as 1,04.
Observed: 7,00
